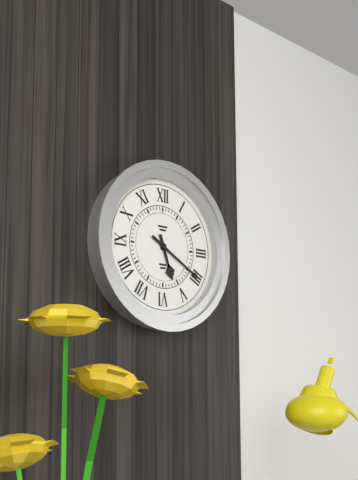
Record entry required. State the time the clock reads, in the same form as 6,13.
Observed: 5,20
